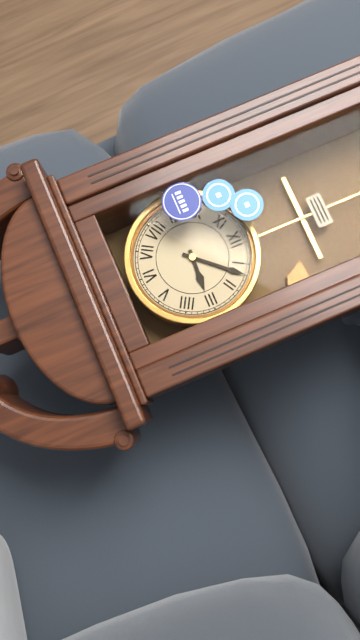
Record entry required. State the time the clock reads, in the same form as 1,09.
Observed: 3,07
